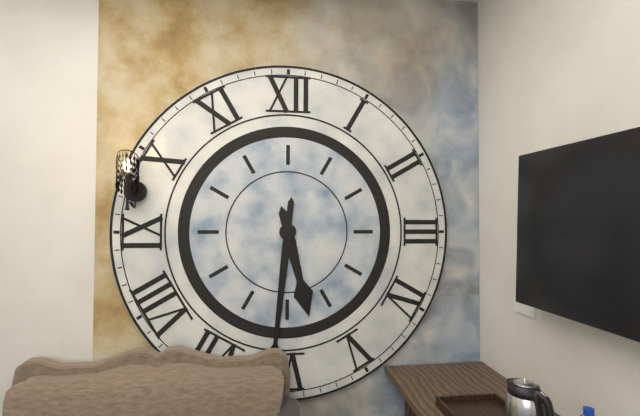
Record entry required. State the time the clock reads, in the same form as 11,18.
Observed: 5,31
